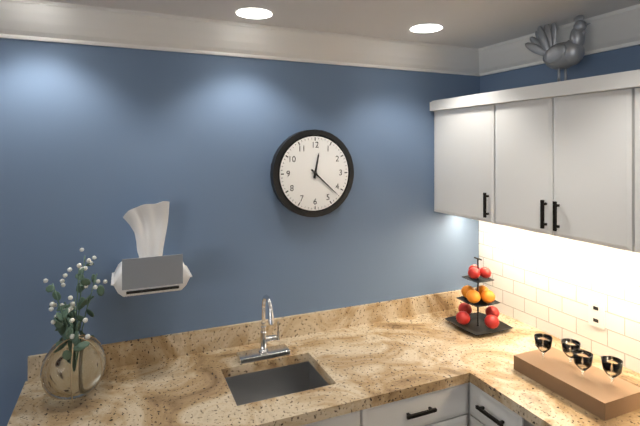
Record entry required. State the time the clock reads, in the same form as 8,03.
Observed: 12,22
